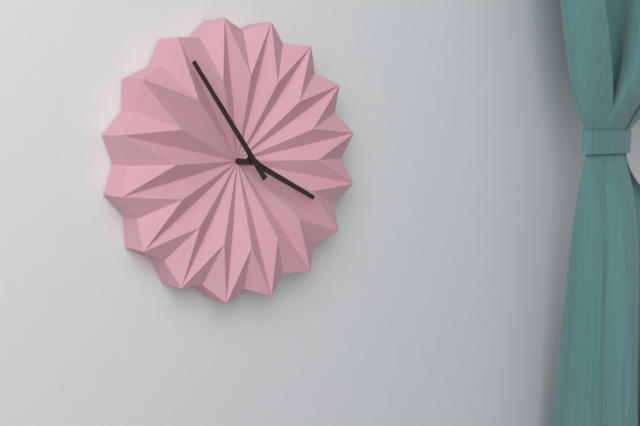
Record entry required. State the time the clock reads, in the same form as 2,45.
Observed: 3,54
